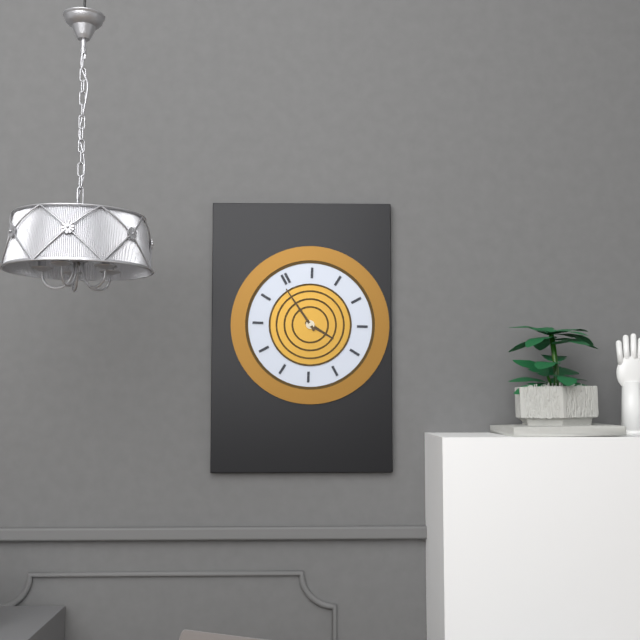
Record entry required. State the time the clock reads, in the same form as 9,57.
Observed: 4,59
